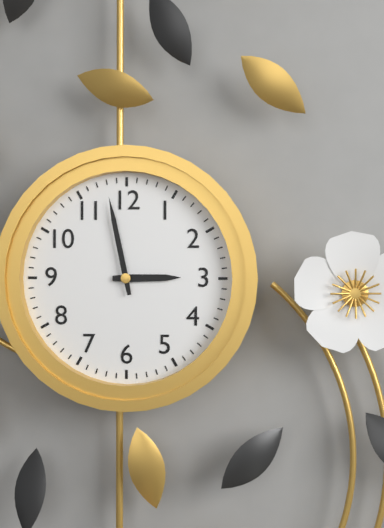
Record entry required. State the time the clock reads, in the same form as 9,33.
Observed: 2,58
